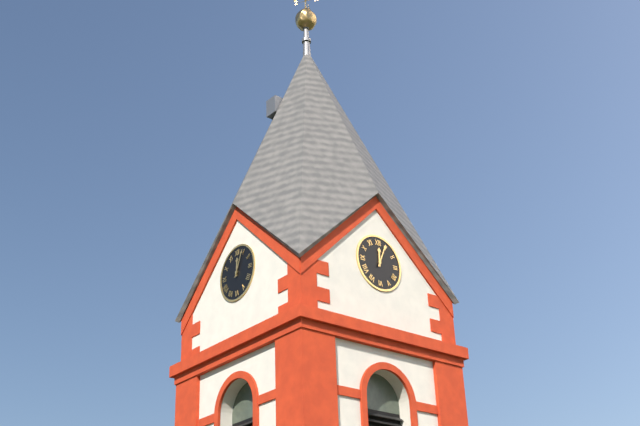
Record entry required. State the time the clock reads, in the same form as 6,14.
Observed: 12,04
